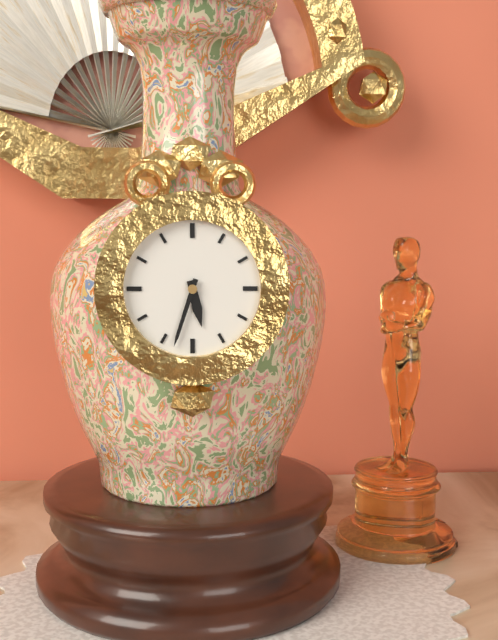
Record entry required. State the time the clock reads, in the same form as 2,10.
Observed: 5,33
